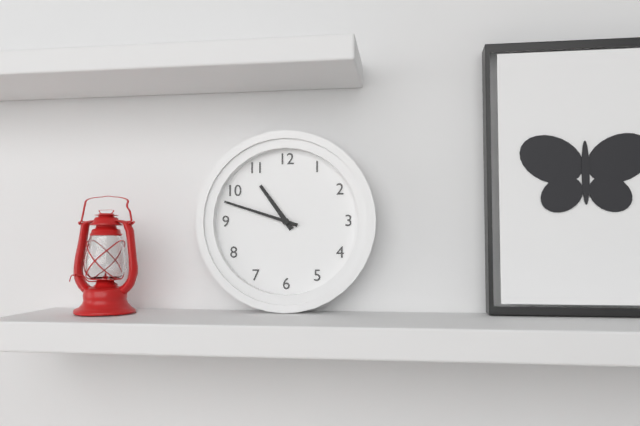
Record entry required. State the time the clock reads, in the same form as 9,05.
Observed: 10,48
